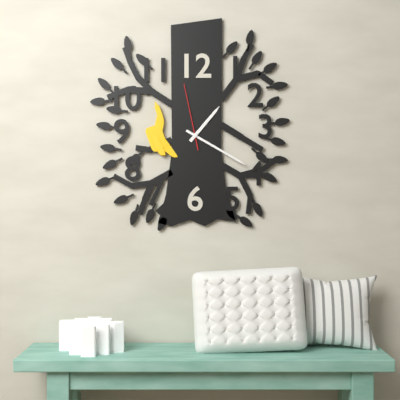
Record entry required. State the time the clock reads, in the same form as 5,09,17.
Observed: 1,20,58
